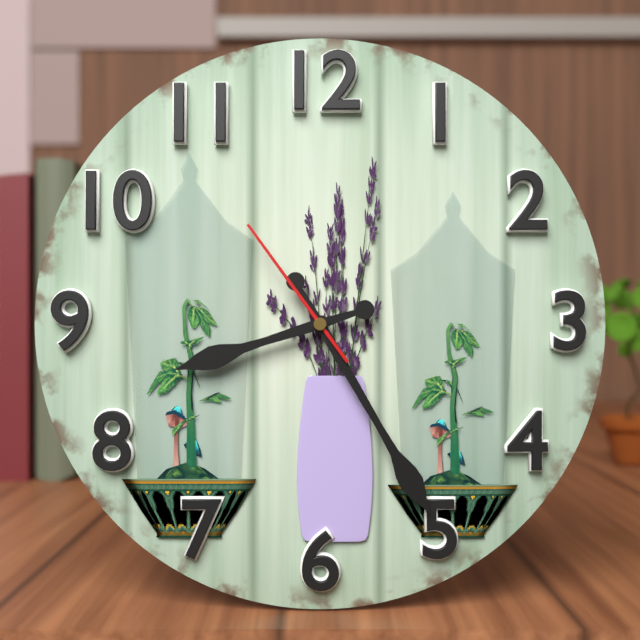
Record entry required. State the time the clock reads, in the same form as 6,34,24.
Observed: 8,25,54
